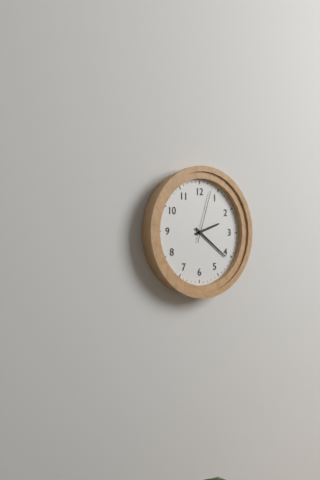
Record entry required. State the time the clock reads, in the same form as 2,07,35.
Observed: 2,21,03
